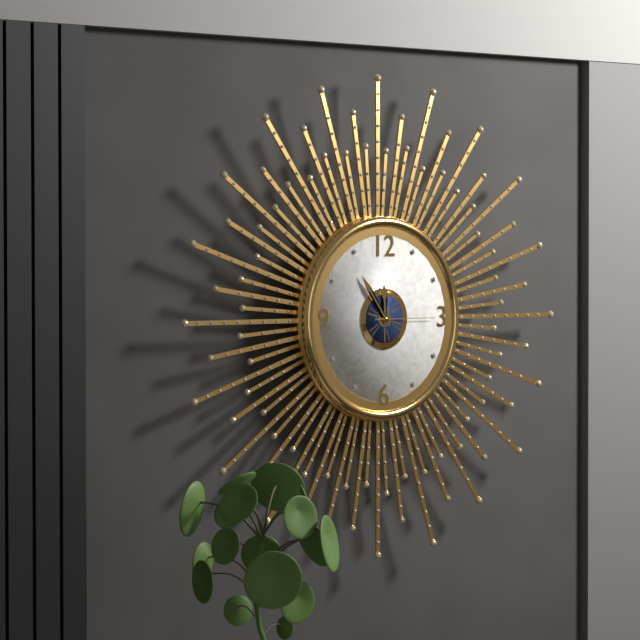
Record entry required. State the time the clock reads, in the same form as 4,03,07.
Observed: 11,54,15
